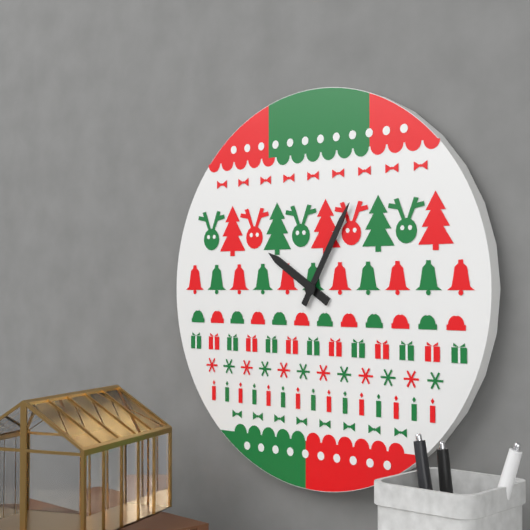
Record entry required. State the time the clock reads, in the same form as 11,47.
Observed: 10,05
